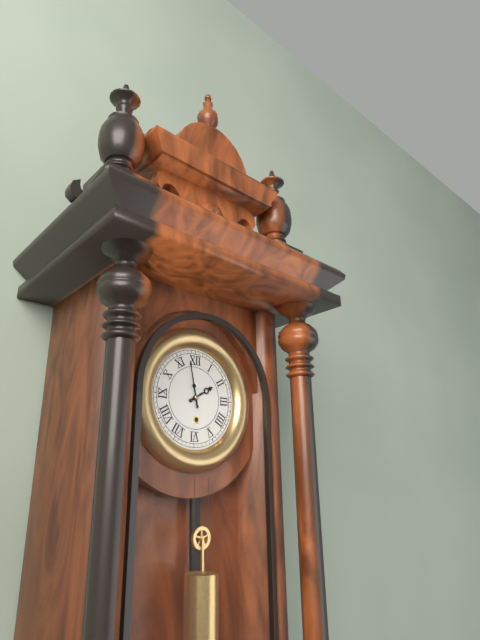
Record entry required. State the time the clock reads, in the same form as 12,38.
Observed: 1,58
